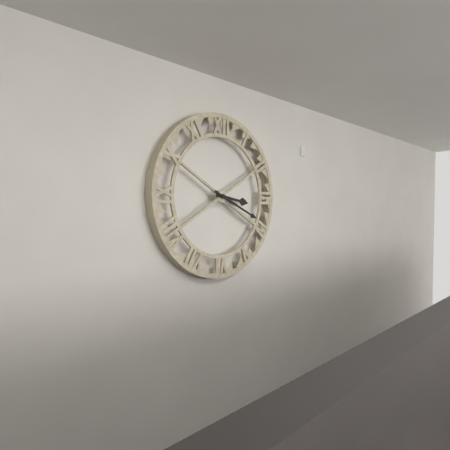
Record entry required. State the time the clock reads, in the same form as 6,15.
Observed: 3,19
